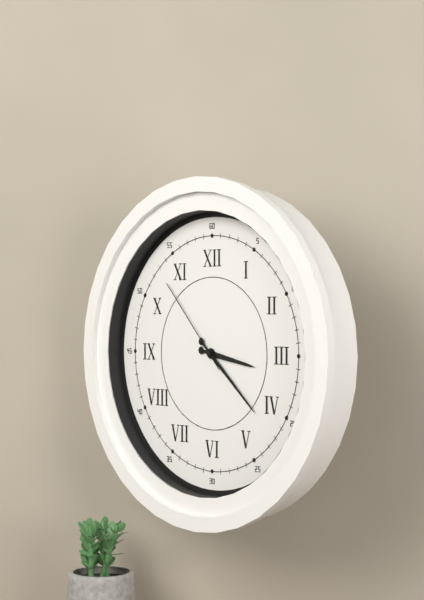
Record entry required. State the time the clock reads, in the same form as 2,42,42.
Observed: 3,22,53
